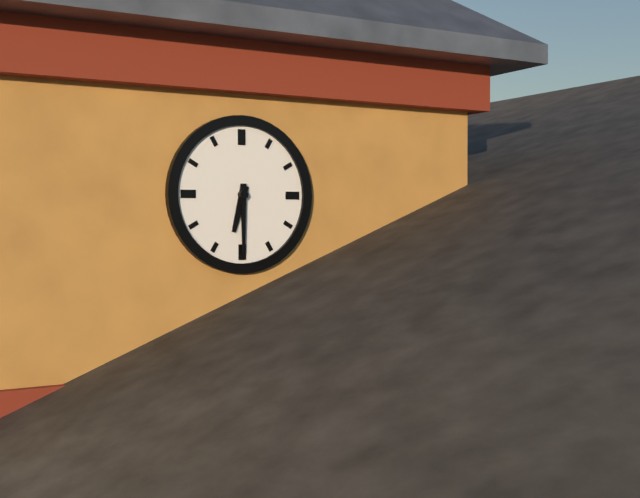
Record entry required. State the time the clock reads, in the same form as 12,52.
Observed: 6,30
